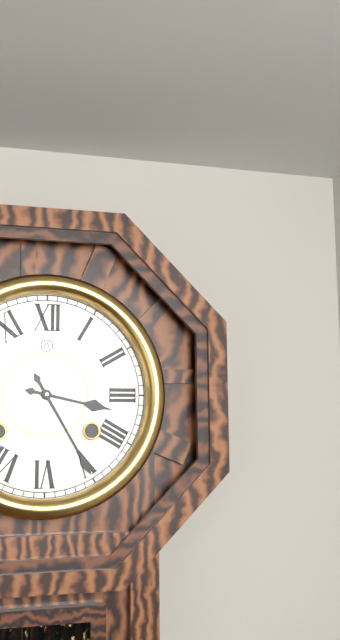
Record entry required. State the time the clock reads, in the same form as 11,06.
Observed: 3,25
